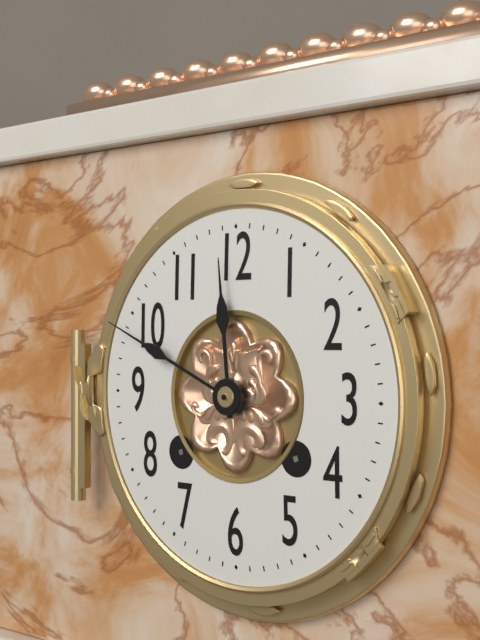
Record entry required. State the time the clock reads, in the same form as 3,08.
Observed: 11,49
